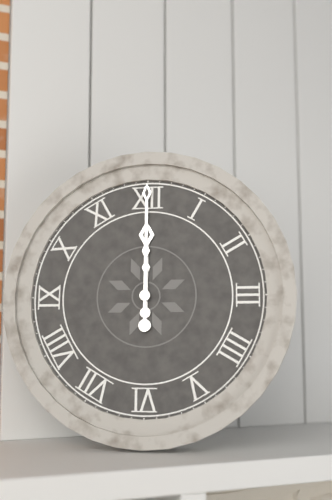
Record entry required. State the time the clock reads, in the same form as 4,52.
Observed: 12,00
